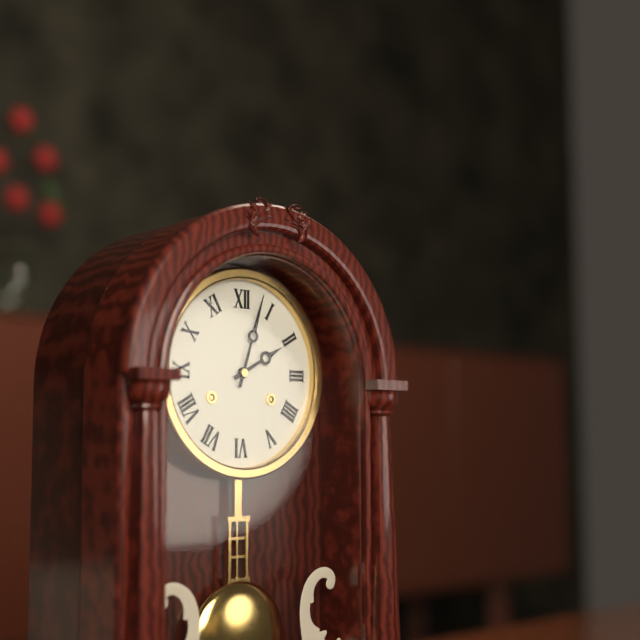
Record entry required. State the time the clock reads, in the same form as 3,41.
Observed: 2,03
